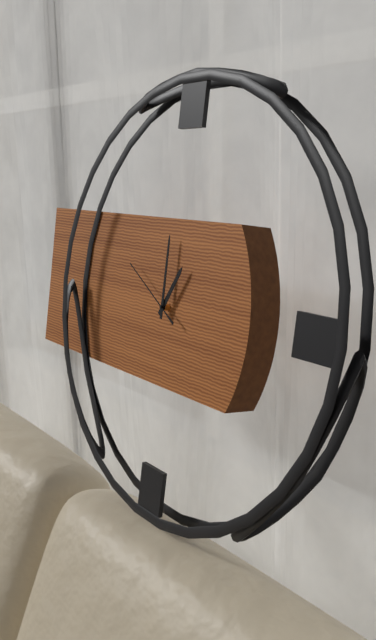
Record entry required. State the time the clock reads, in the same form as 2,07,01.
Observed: 1,00,50
